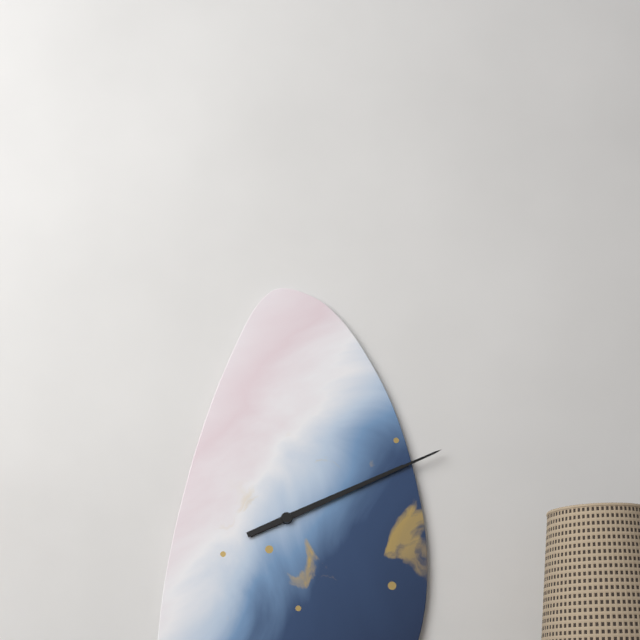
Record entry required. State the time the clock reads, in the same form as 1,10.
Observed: 2,11
